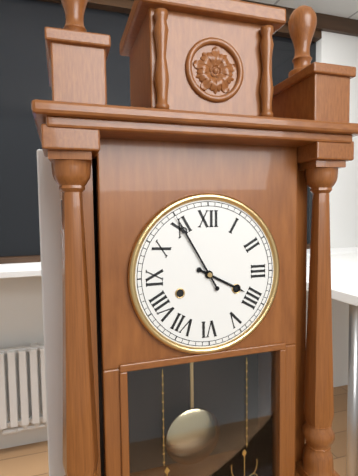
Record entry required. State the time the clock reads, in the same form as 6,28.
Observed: 3,55
